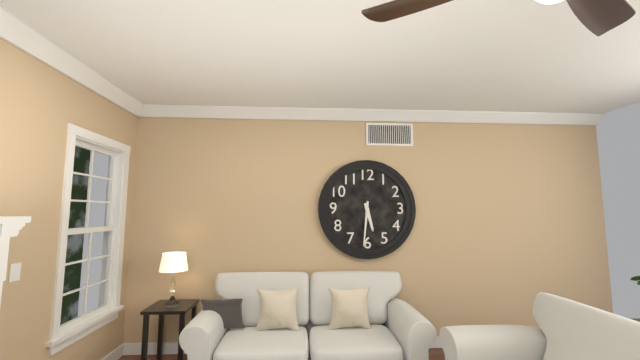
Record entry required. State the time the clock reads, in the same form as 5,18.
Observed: 5,31
